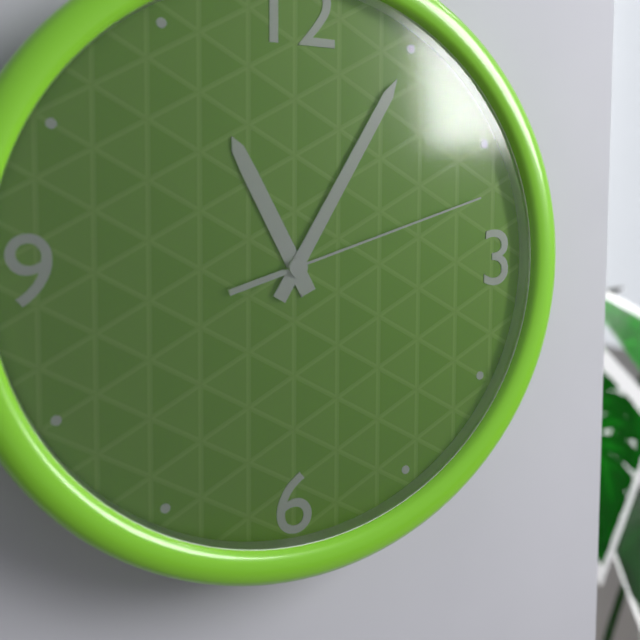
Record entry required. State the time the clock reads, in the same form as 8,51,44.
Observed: 11,05,12
